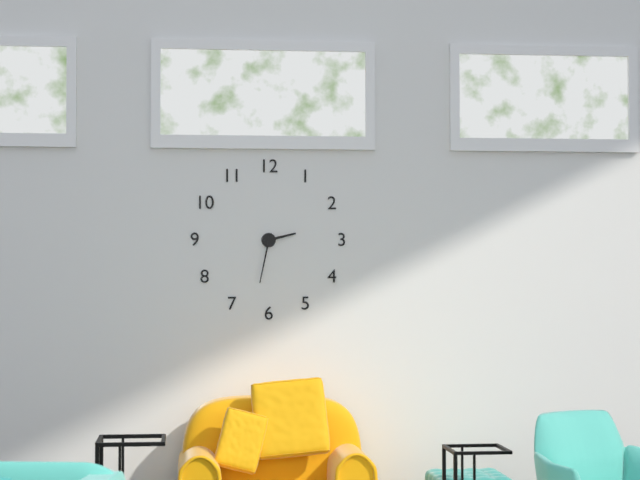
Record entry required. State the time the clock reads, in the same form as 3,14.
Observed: 2,32
